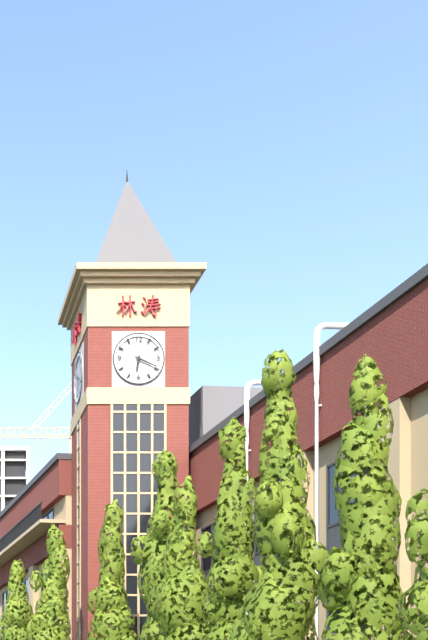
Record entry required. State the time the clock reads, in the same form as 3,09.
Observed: 6,19
